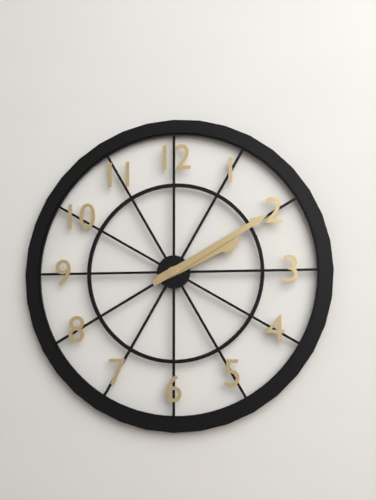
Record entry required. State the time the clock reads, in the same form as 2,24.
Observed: 2,10
